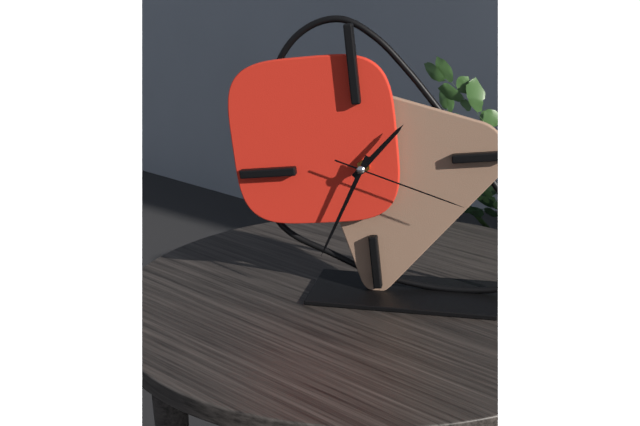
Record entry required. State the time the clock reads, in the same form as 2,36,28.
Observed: 1,35,19
